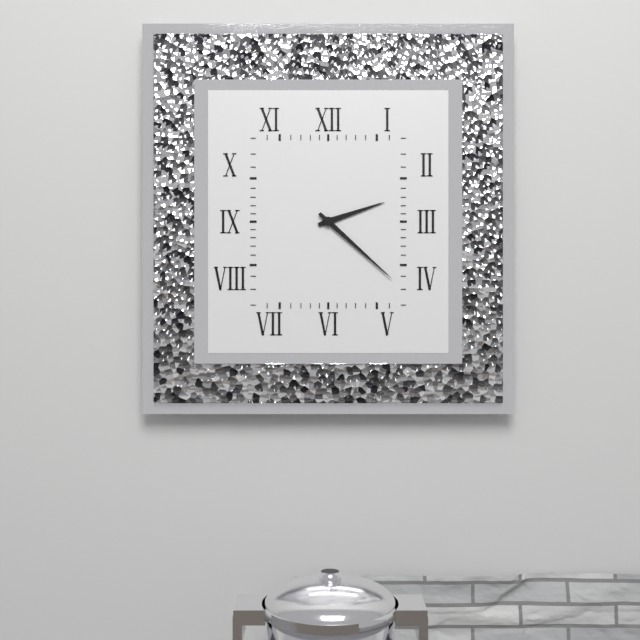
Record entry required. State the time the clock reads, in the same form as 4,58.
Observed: 2,22
